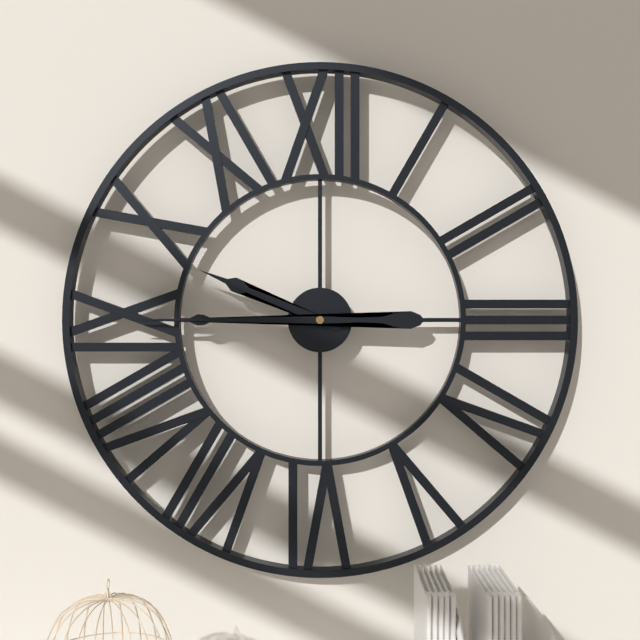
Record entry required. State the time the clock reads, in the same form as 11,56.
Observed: 9,45
